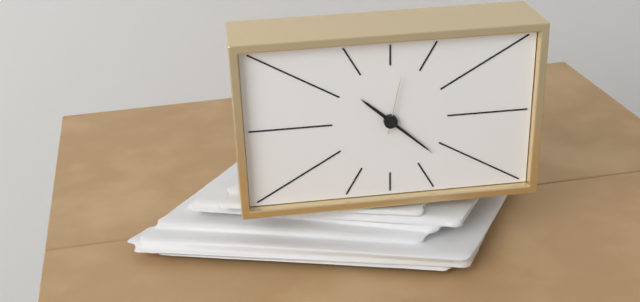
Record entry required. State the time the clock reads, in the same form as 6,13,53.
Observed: 10,22,02
